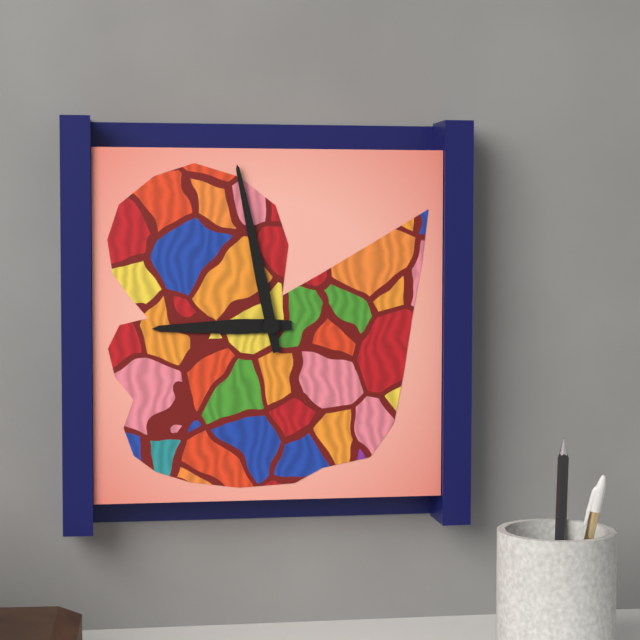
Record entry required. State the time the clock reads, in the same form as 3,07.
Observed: 8,58
